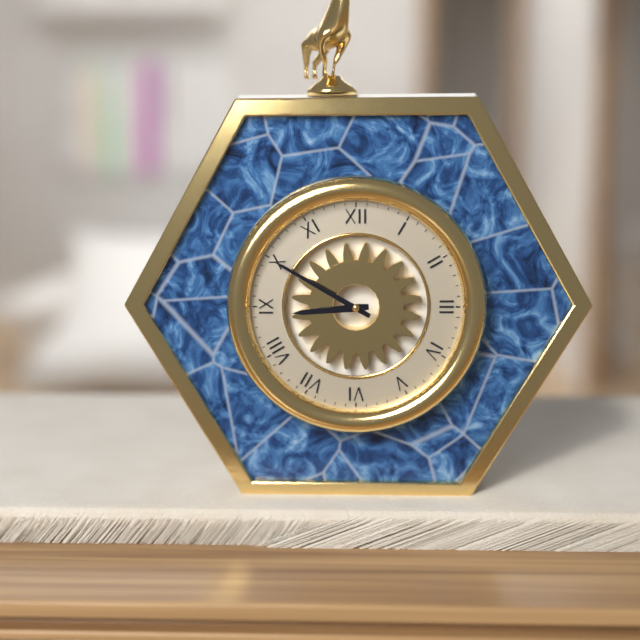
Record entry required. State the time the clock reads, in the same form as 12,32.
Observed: 8,50
